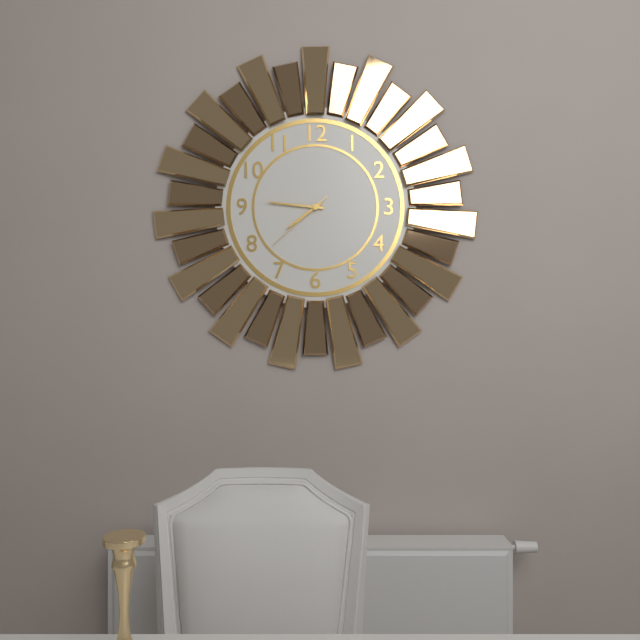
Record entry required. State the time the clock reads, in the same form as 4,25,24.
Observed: 7,46,38
